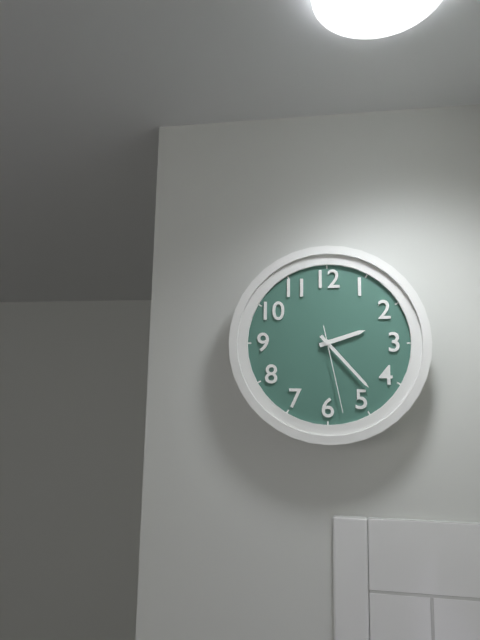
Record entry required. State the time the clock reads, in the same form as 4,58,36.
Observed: 2,23,28
